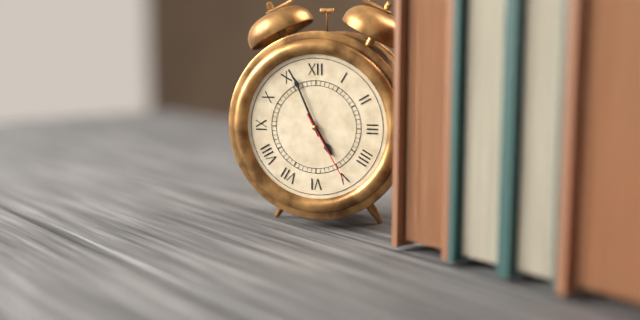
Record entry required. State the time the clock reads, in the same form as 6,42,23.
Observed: 4,56,25
